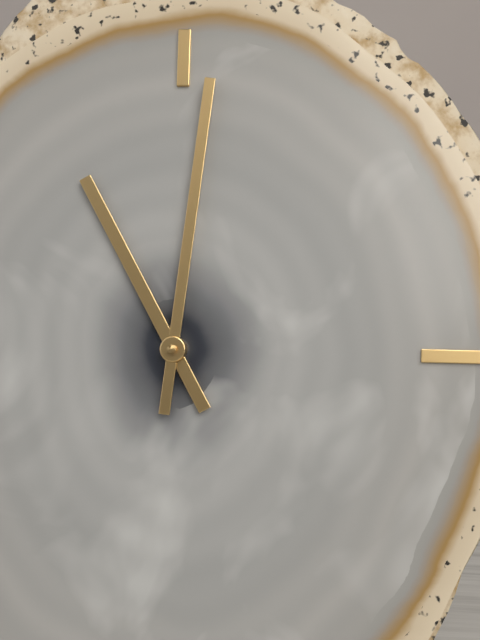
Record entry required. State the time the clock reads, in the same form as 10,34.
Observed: 11,01
